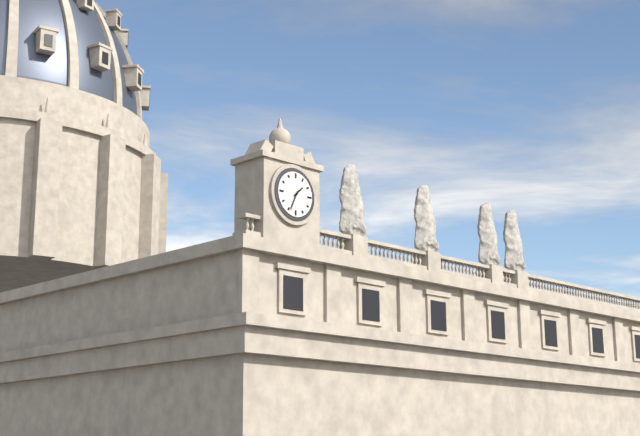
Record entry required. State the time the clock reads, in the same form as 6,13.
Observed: 1,34
